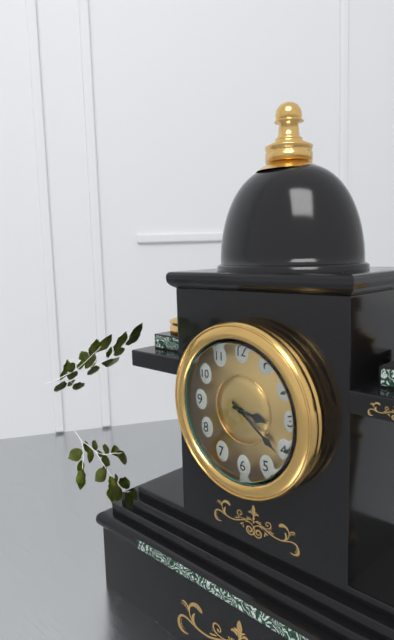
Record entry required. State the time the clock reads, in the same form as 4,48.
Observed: 3,21
